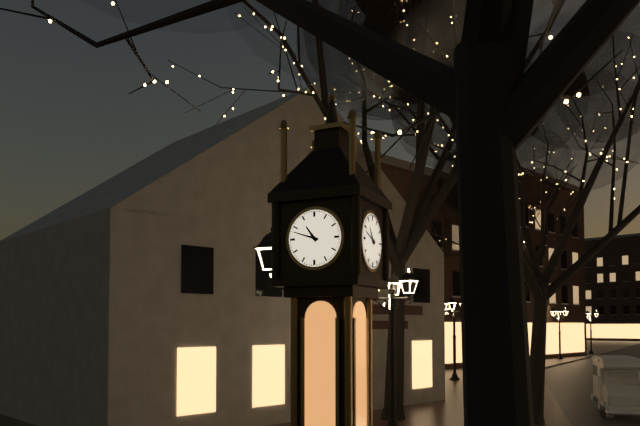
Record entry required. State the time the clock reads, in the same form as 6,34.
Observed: 10,48
